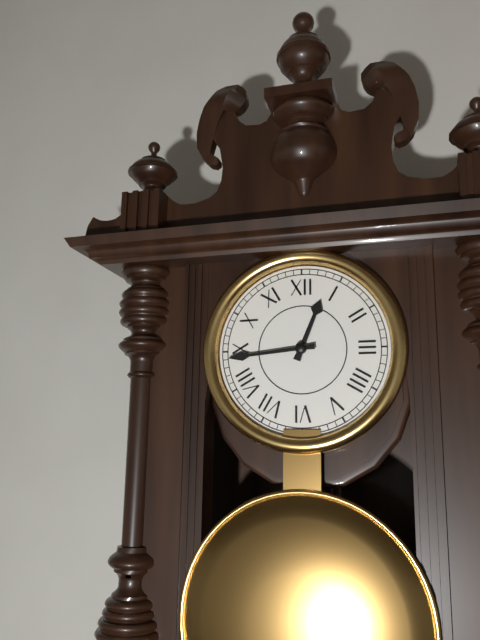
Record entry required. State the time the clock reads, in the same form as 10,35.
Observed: 12,44
